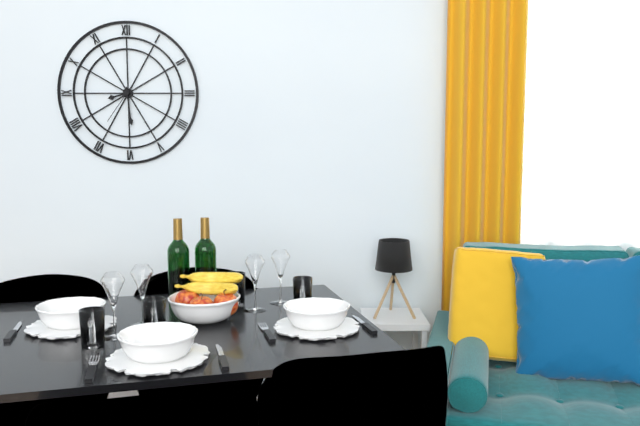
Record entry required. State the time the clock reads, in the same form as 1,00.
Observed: 8,29
